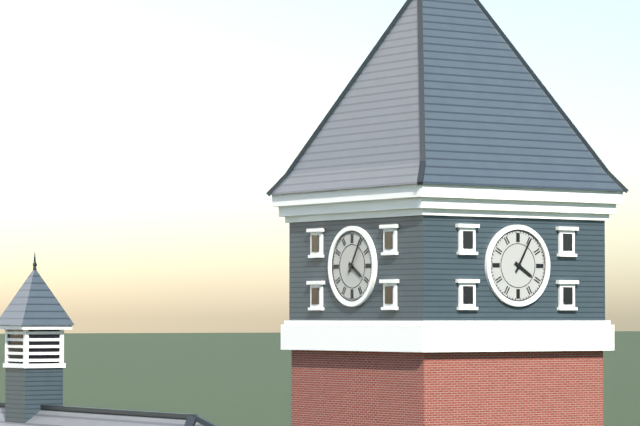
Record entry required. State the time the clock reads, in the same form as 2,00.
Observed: 4,05
